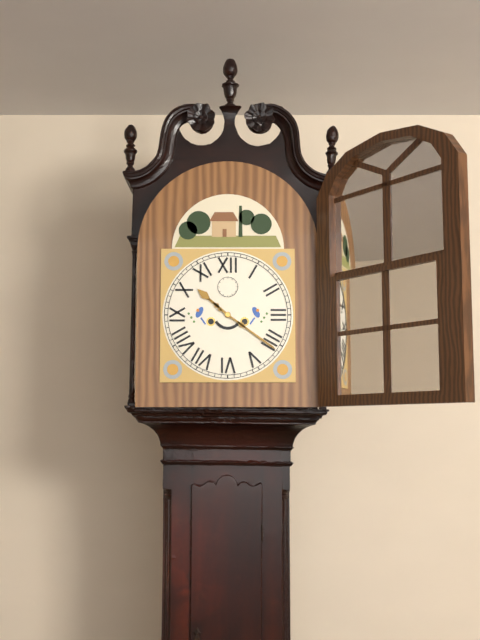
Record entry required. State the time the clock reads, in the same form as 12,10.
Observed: 10,21
